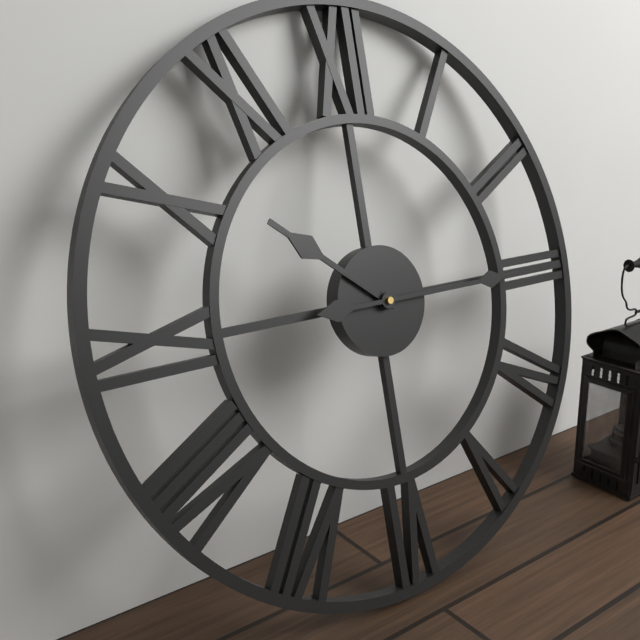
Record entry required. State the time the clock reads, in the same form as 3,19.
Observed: 10,15
